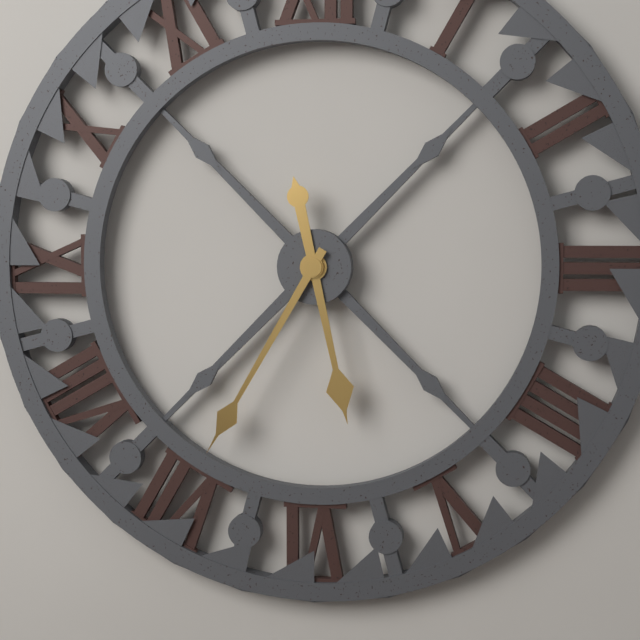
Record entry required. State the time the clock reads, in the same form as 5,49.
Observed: 5,35
